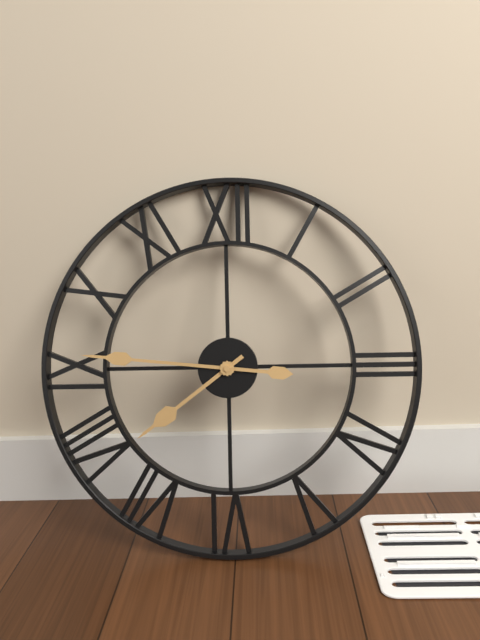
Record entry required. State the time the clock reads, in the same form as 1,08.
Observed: 7,46
